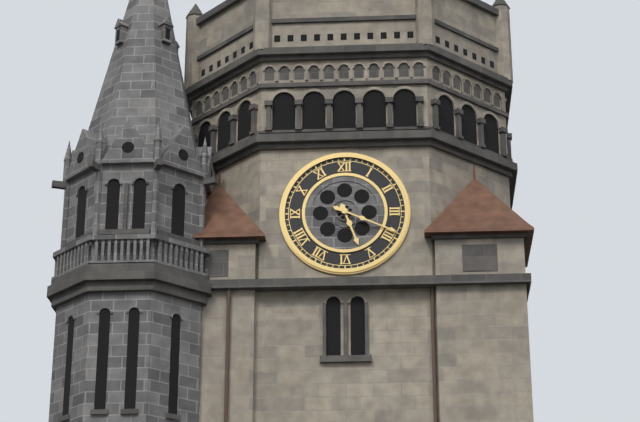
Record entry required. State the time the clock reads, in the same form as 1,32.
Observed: 5,19
